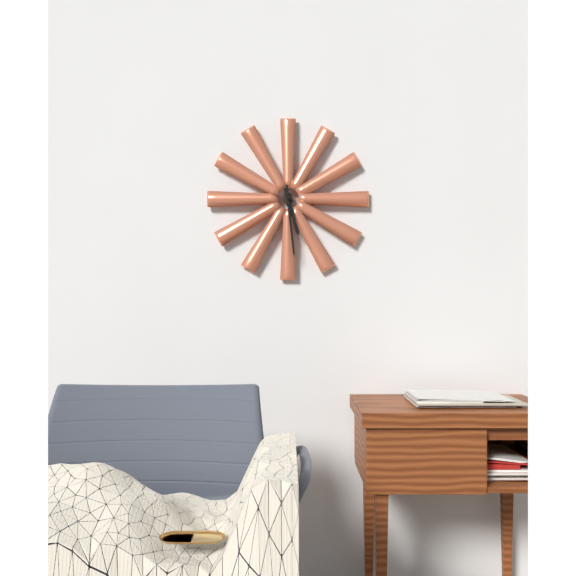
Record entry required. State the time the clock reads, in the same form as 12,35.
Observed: 5,29
